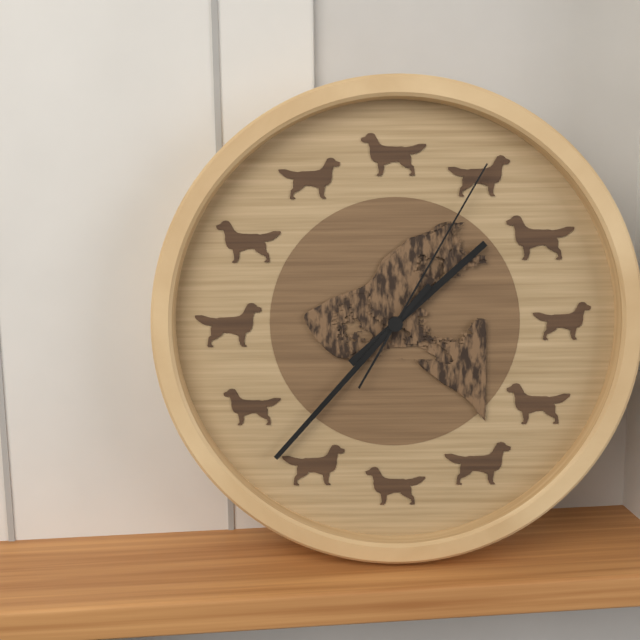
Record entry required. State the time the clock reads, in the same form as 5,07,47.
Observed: 1,37,05
